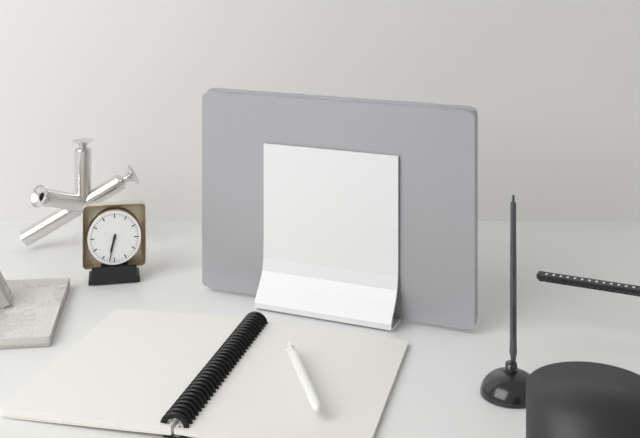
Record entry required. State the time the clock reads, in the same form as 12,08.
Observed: 6,32
